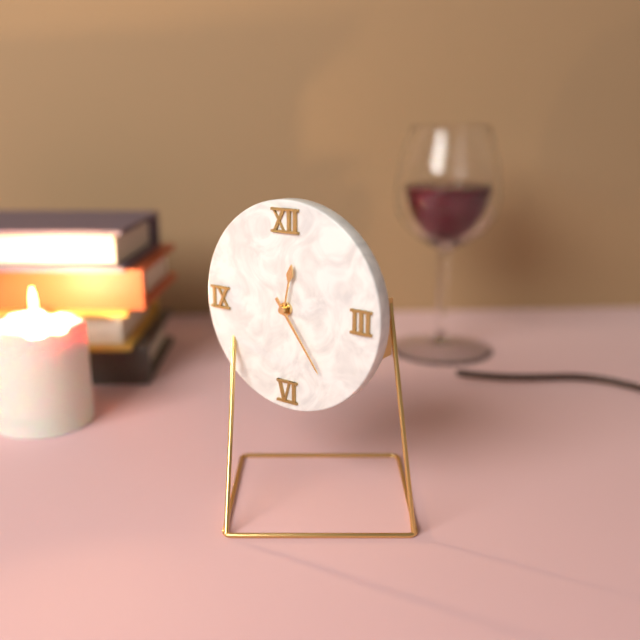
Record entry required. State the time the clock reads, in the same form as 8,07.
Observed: 12,24
